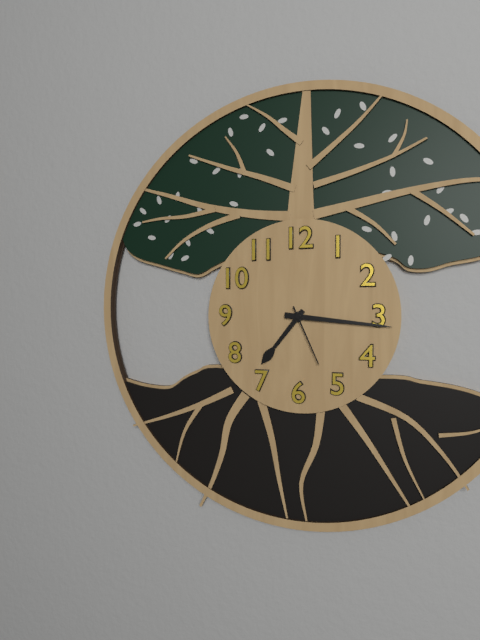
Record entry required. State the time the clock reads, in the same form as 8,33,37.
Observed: 7,16,26
